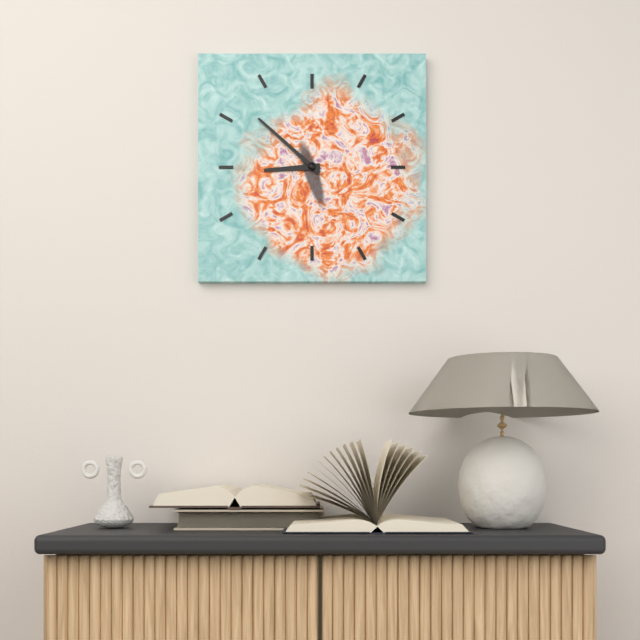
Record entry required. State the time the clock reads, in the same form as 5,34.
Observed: 8,52
